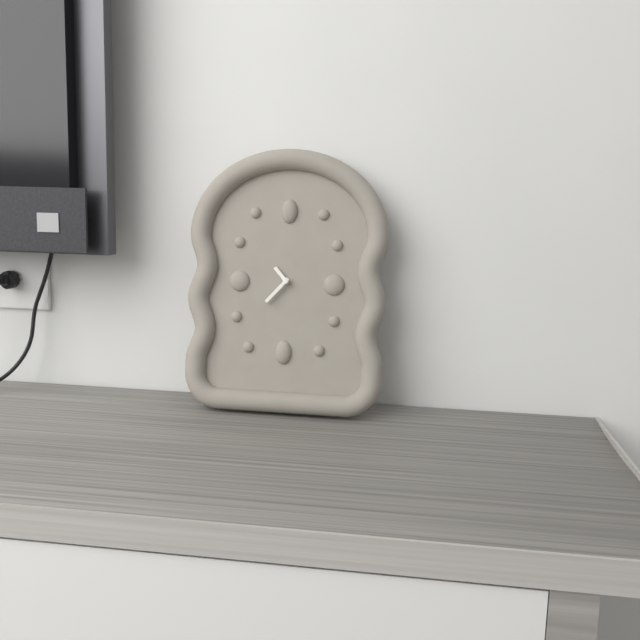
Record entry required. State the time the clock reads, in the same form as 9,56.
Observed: 10,37
